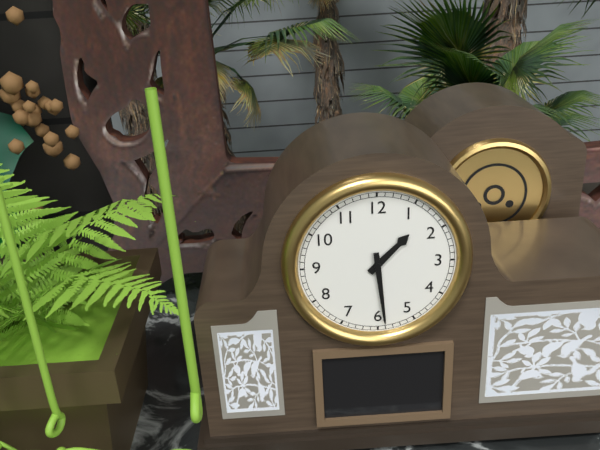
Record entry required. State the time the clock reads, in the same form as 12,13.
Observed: 1,29
